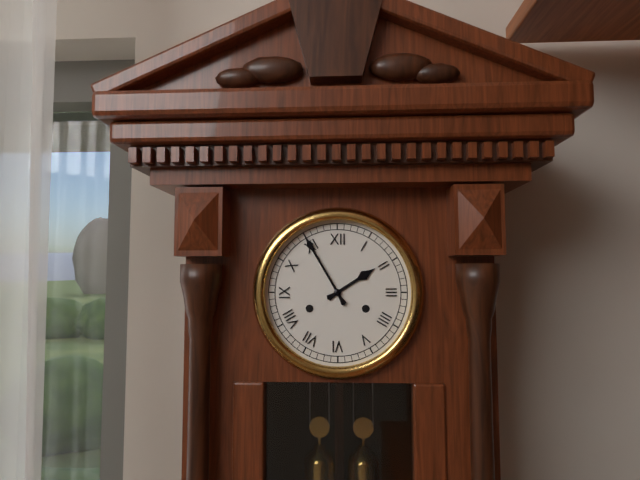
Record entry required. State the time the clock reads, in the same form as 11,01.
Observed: 1,55
